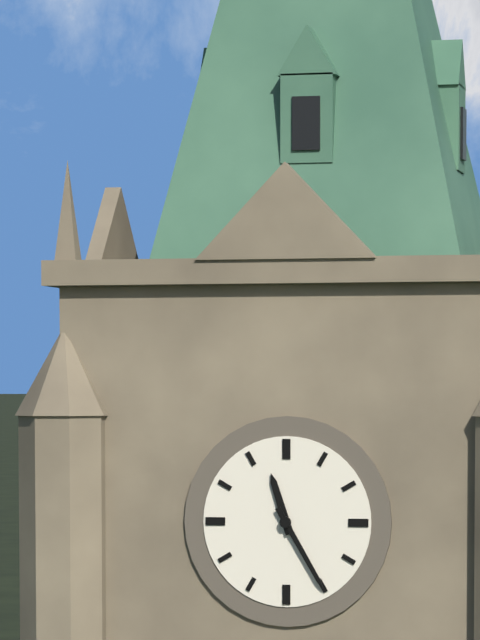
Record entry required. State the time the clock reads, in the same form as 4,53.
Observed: 11,25
